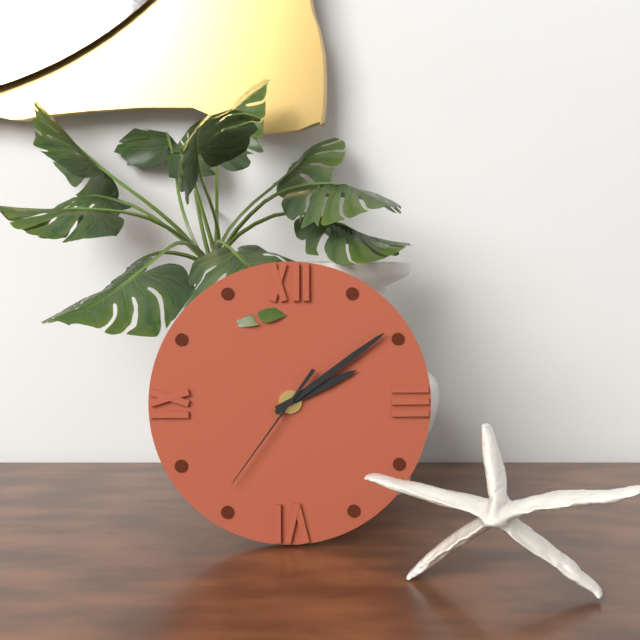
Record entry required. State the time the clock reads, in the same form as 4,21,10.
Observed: 2,09,36
